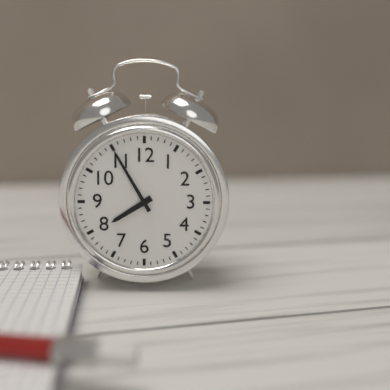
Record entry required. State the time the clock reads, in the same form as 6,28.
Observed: 7,55
